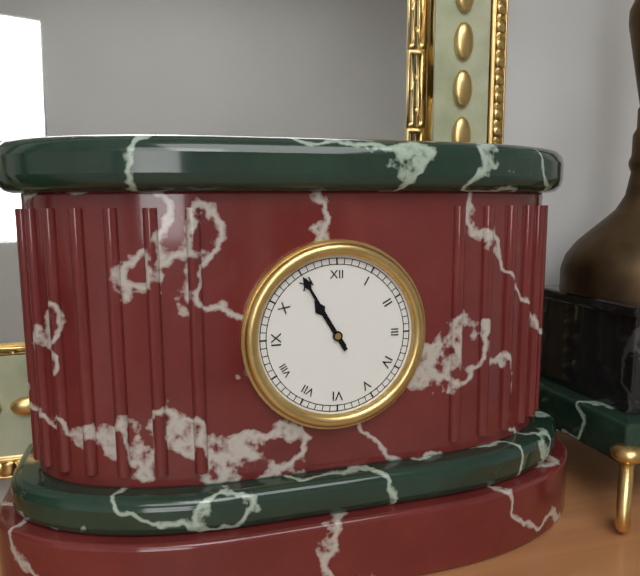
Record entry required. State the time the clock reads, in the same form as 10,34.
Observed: 10,55
